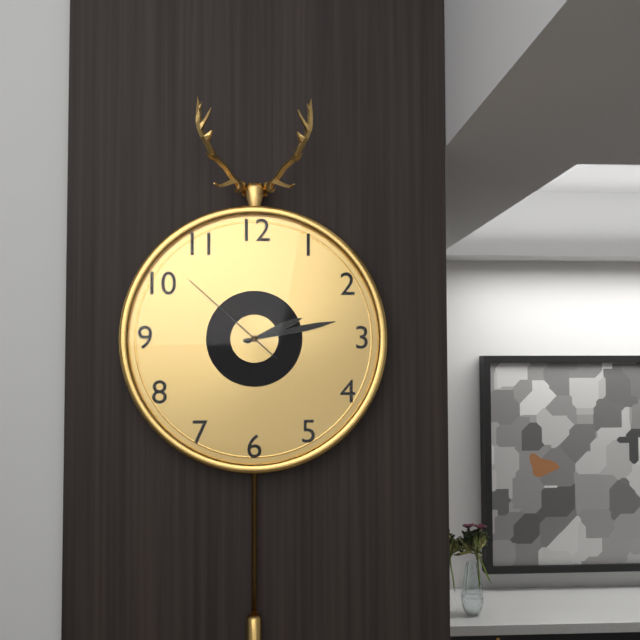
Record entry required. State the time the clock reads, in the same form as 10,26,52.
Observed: 2,13,52
